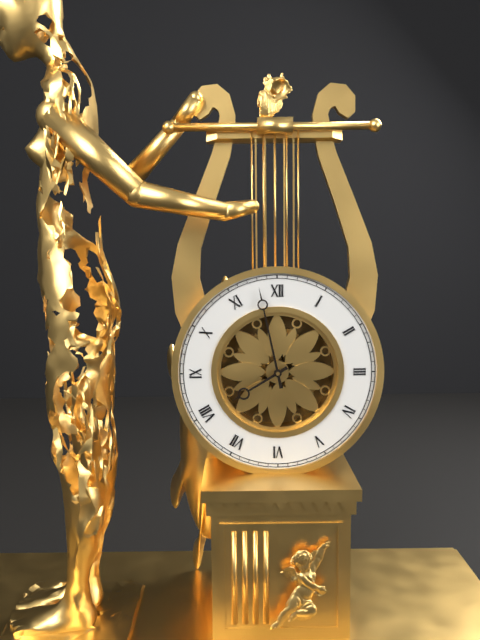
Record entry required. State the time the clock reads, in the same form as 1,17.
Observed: 7,58
